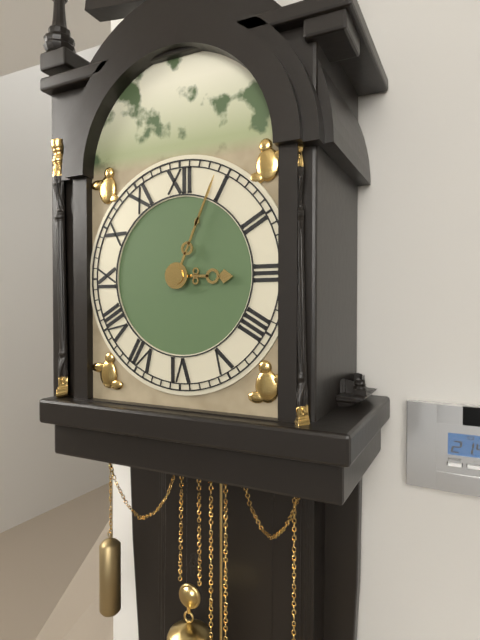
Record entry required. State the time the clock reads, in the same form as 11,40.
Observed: 3,04
